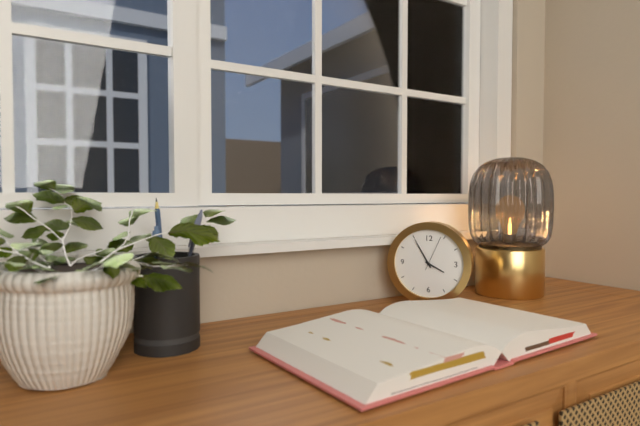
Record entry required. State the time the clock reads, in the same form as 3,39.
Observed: 3,55
